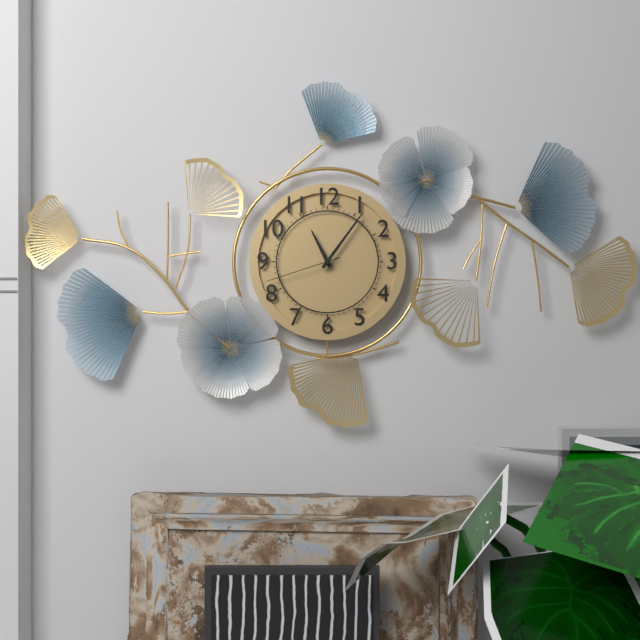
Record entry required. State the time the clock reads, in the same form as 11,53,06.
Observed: 11,06,42
